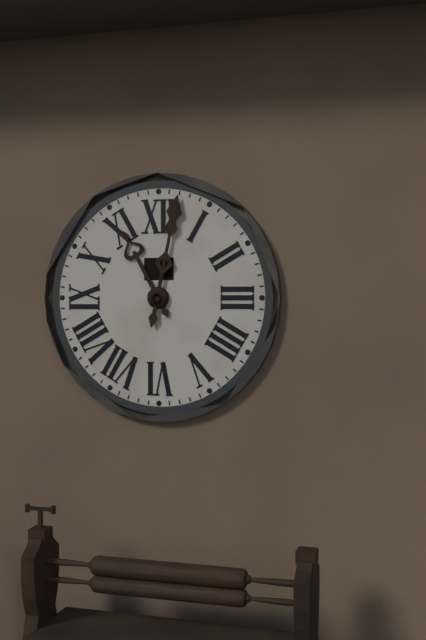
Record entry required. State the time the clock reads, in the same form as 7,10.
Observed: 11,02
